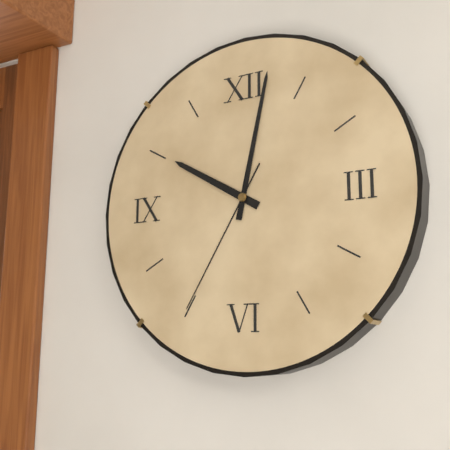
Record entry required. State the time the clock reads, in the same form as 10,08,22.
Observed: 10,02,35
